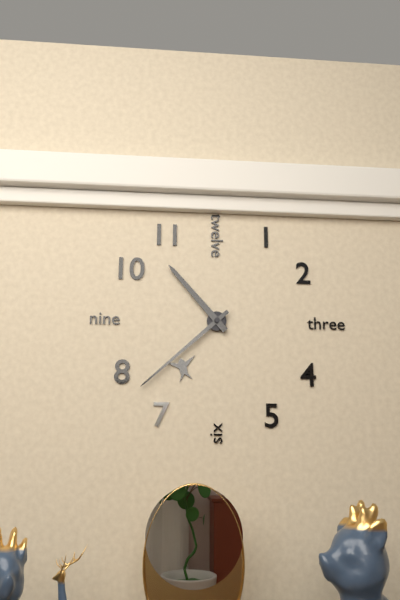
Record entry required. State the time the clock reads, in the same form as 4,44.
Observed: 10,38
